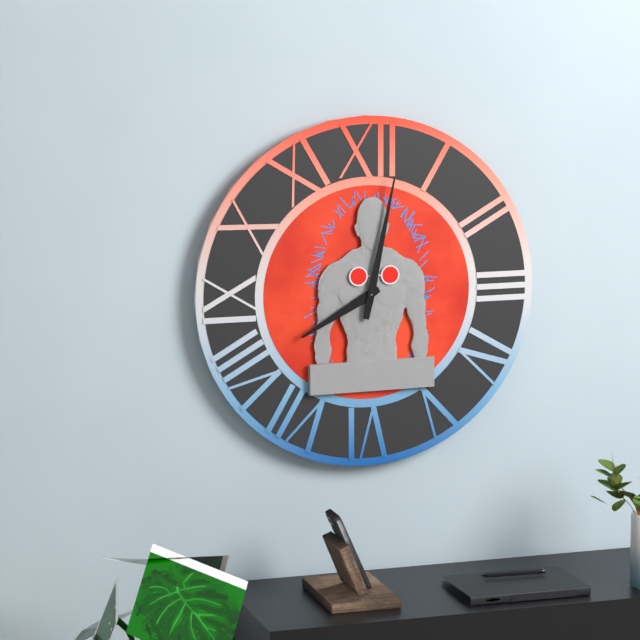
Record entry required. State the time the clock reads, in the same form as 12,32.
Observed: 8,02
